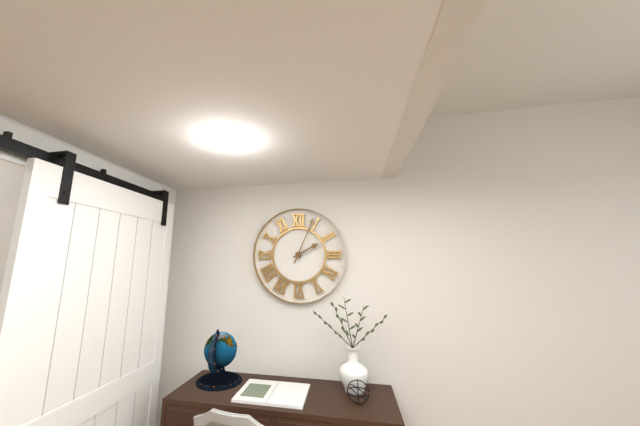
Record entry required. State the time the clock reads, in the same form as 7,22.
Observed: 2,04
